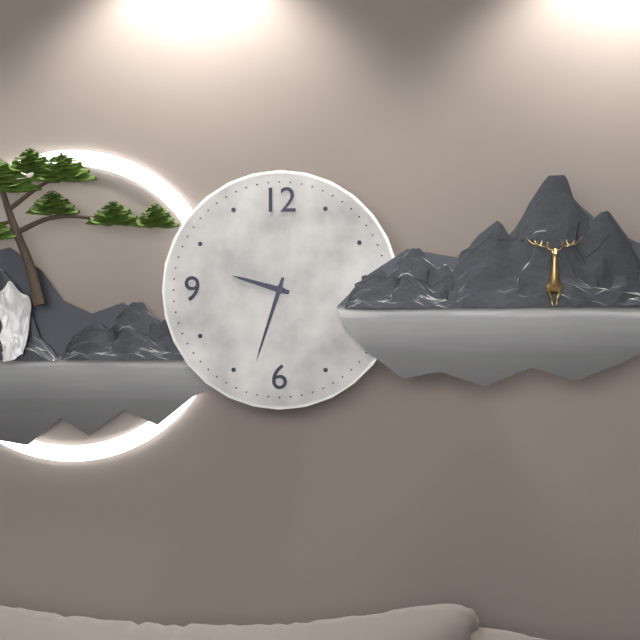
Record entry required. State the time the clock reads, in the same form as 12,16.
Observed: 9,33
